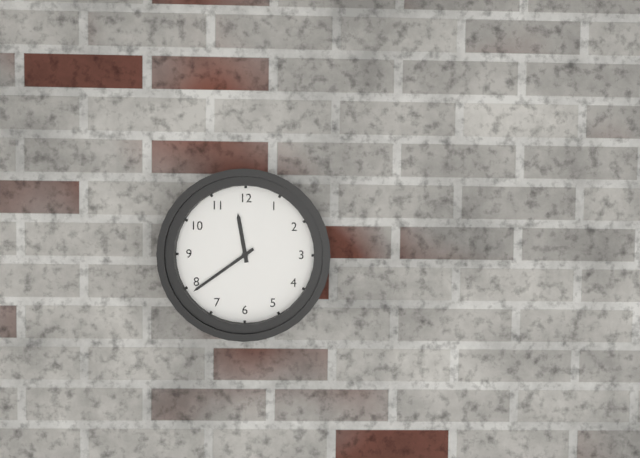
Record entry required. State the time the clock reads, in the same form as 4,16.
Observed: 11,39
